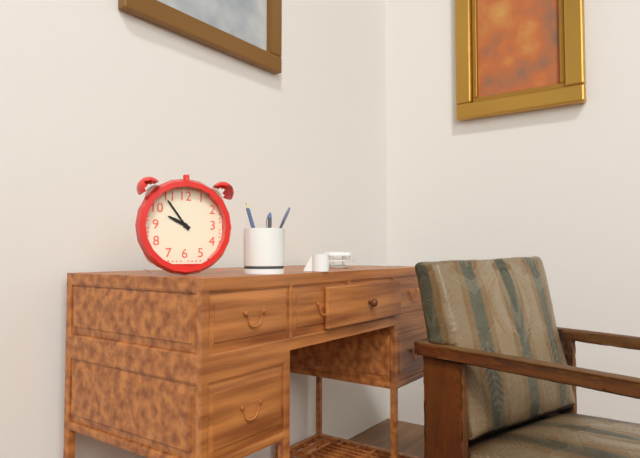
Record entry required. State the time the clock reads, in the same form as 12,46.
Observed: 9,54
